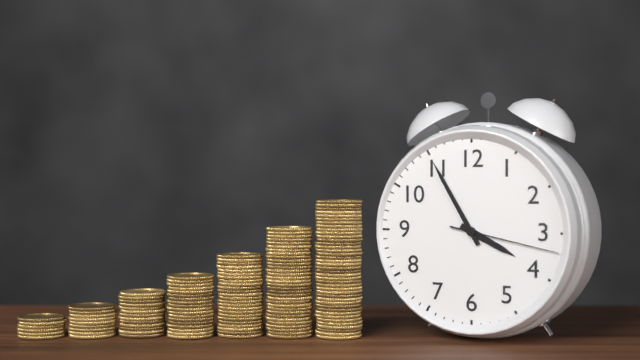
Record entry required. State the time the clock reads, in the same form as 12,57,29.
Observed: 3,55,17
